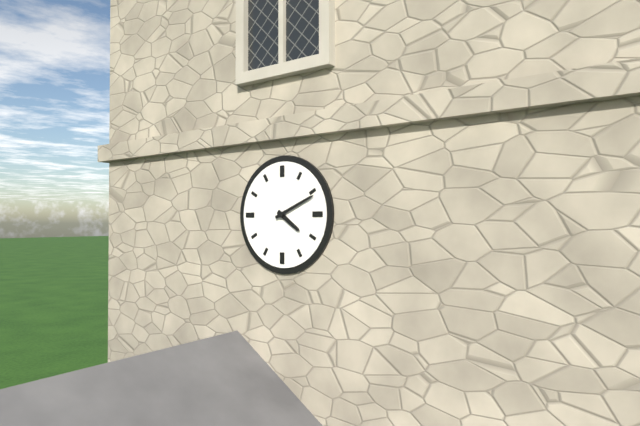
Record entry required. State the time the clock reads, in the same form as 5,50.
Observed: 4,11
